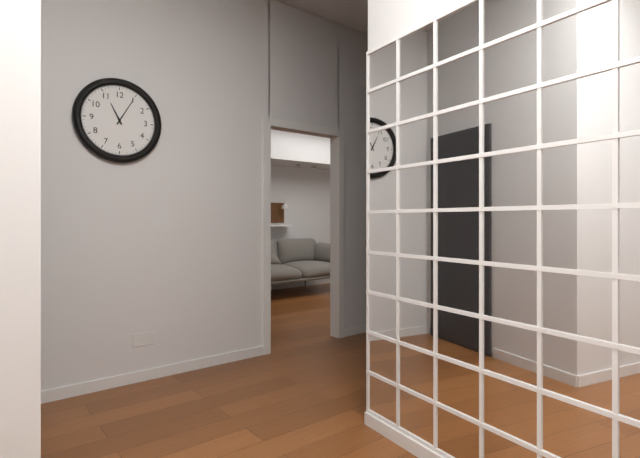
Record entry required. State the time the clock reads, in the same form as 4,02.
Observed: 11,05
